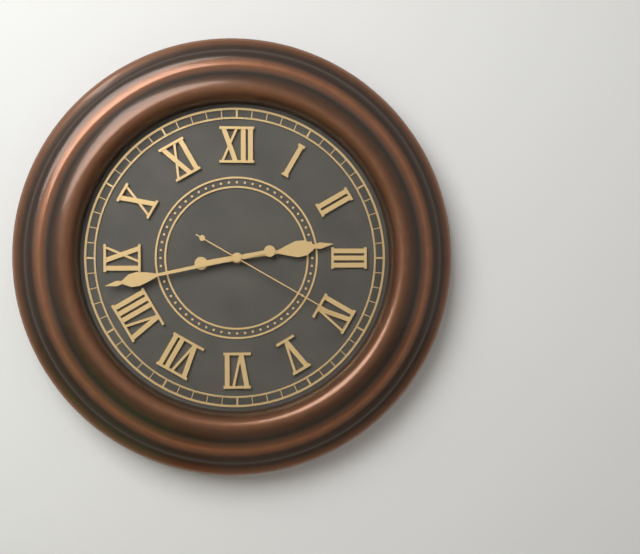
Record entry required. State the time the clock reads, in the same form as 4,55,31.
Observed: 2,43,20
